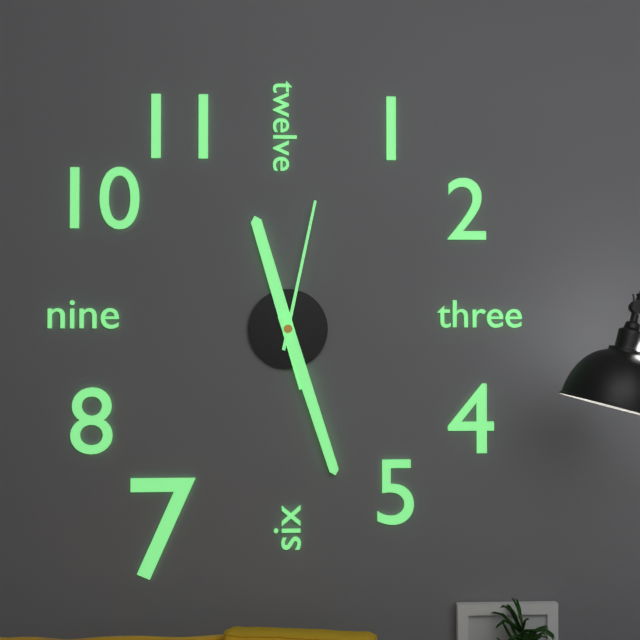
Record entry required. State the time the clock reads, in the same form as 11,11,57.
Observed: 11,27,02
